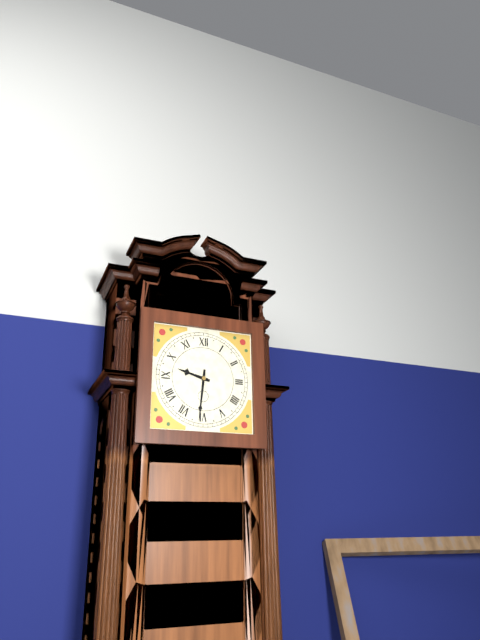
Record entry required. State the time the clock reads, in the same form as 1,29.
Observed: 9,31
